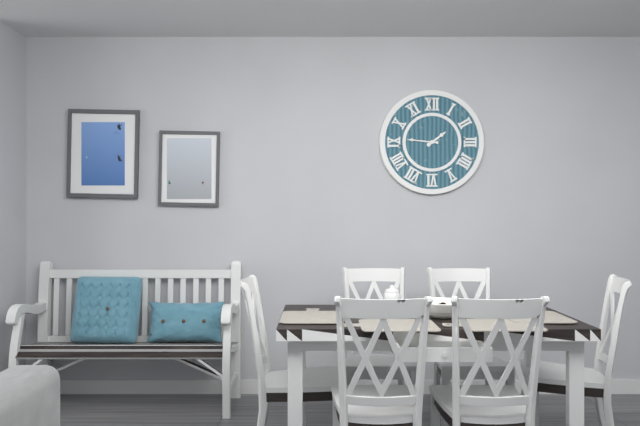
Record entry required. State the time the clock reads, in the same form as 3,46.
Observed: 1,46
